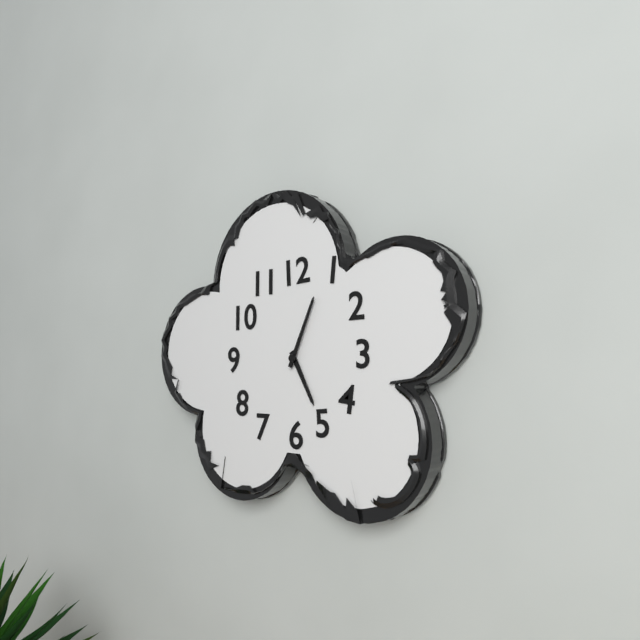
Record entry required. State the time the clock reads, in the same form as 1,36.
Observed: 5,04
